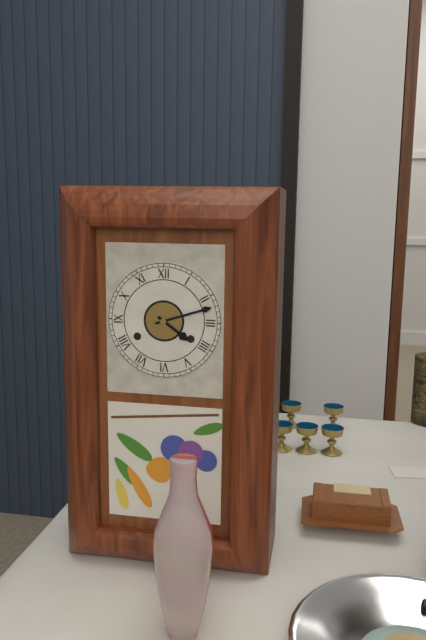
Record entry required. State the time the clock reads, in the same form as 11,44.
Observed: 4,12
